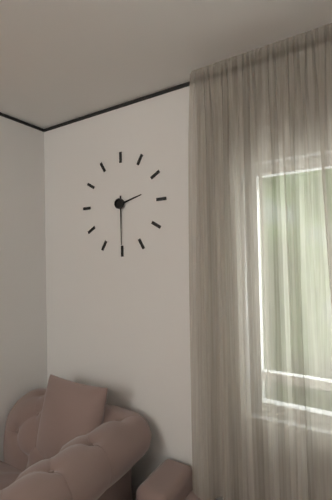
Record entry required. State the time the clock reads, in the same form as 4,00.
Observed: 2,30
